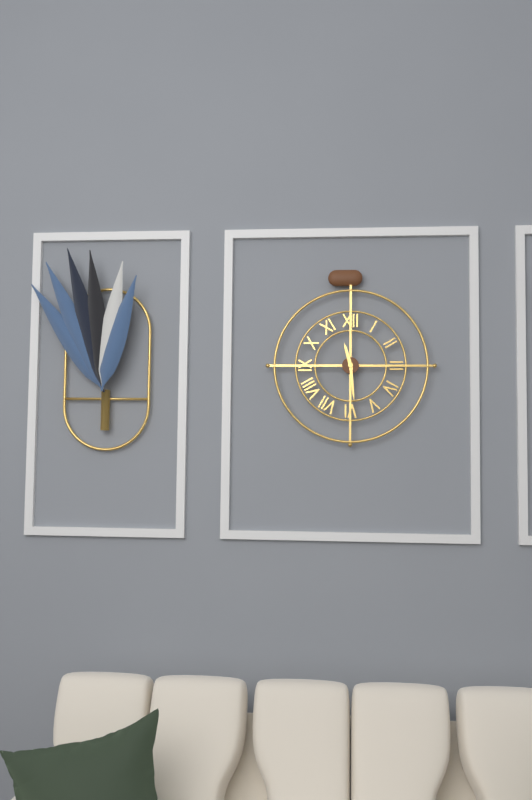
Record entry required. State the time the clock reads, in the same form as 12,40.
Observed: 11,29
